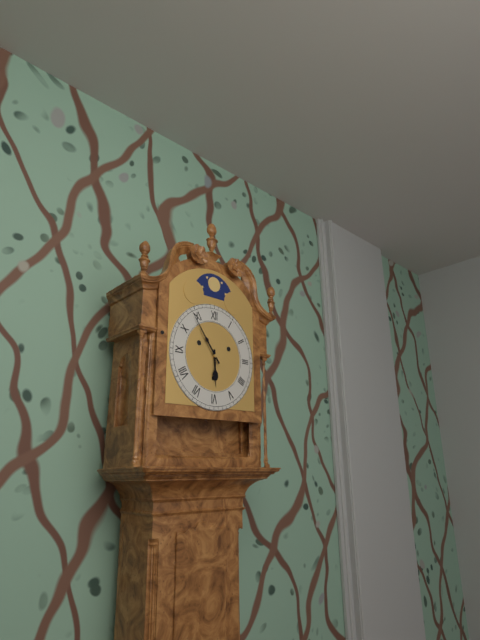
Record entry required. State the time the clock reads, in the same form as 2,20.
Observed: 5,54
